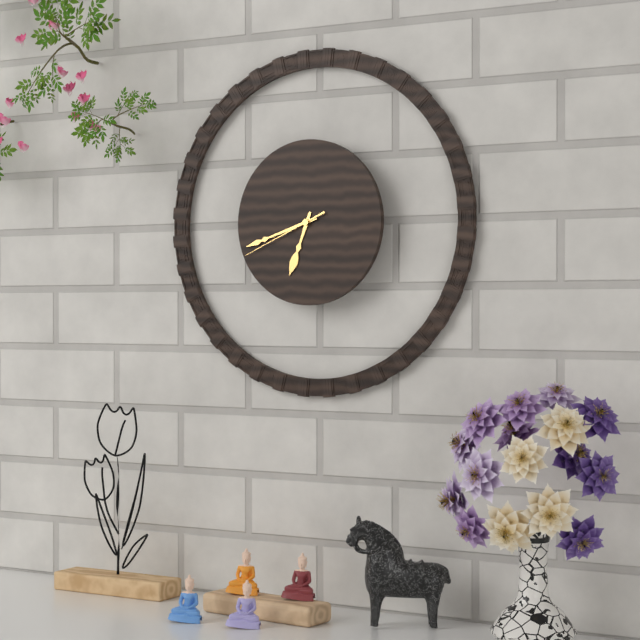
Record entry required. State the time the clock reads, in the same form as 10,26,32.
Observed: 6,42,41
